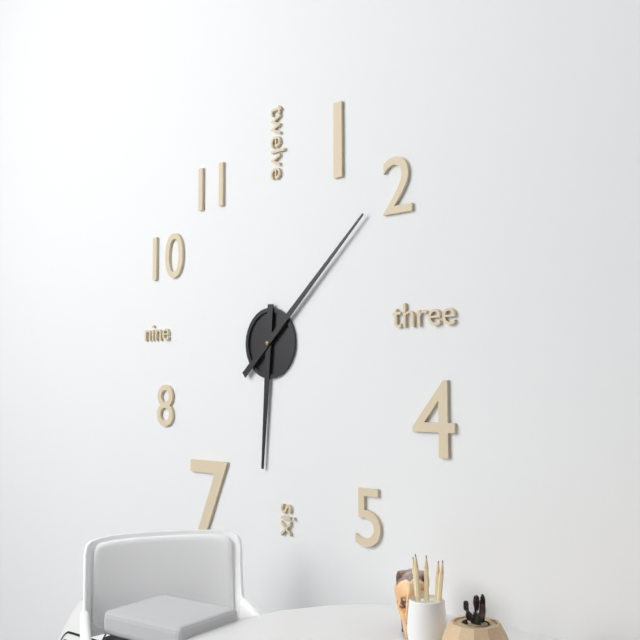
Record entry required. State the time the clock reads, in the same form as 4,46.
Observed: 6,08
